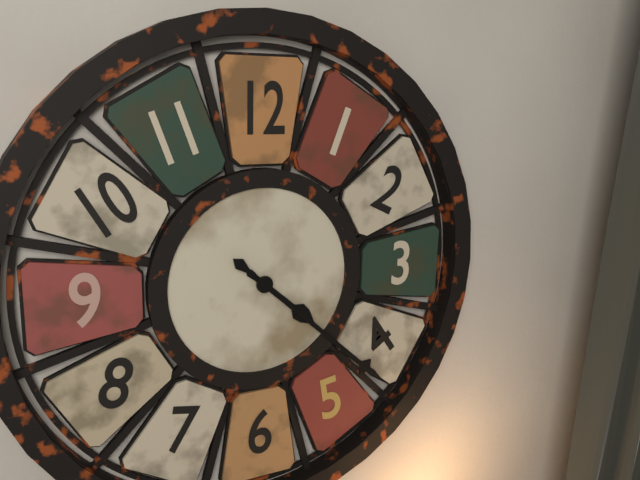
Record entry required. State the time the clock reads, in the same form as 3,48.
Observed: 4,22
